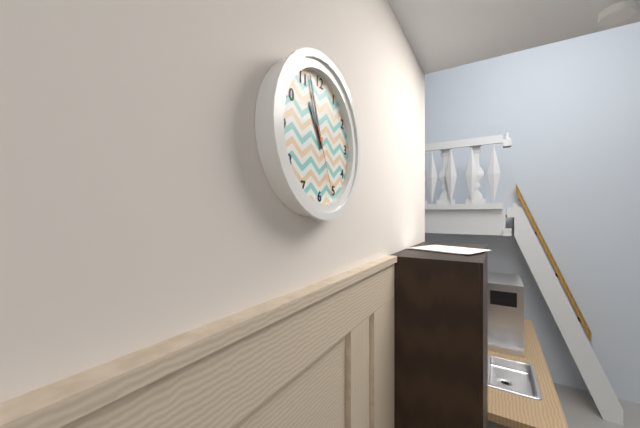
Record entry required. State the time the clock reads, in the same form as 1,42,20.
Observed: 10,57,26
